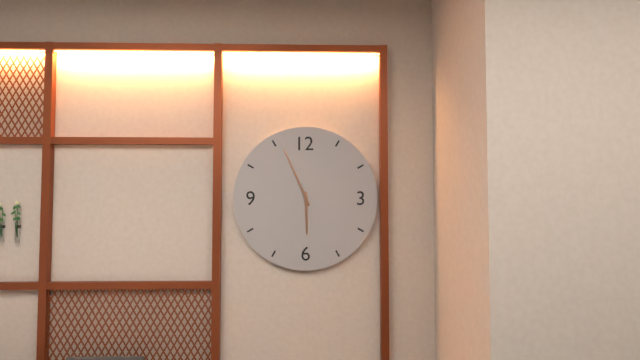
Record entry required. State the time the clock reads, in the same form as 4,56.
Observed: 5,56
